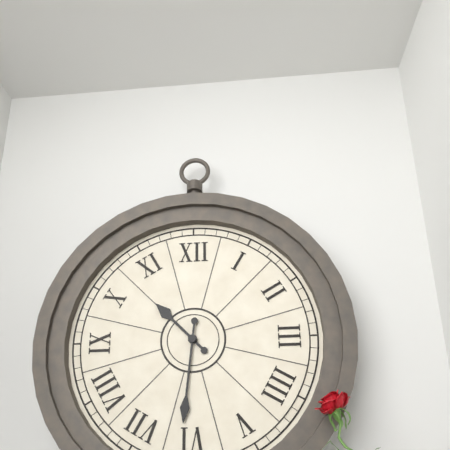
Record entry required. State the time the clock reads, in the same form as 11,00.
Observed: 10,31
